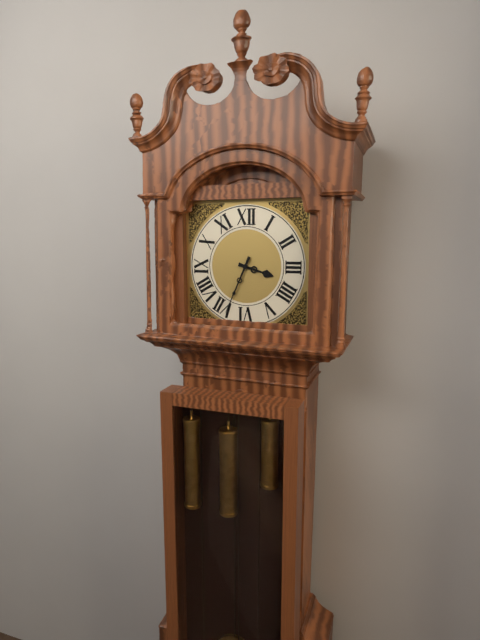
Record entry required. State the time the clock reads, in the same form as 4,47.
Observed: 3,34
